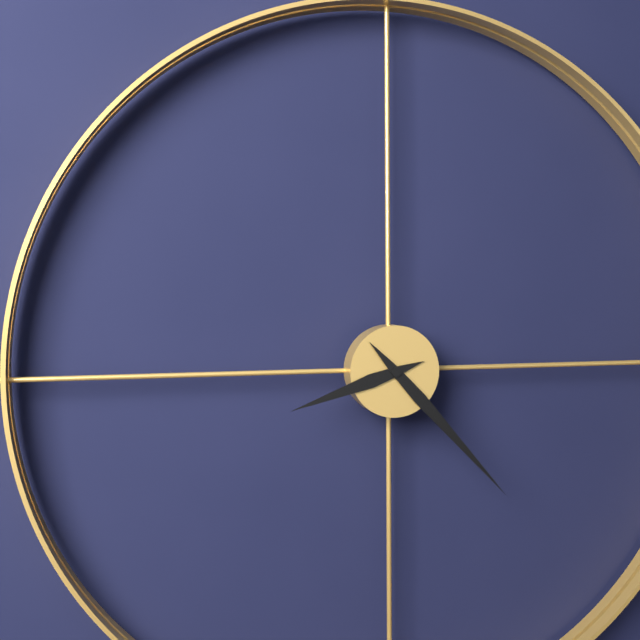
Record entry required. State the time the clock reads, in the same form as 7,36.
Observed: 8,23
